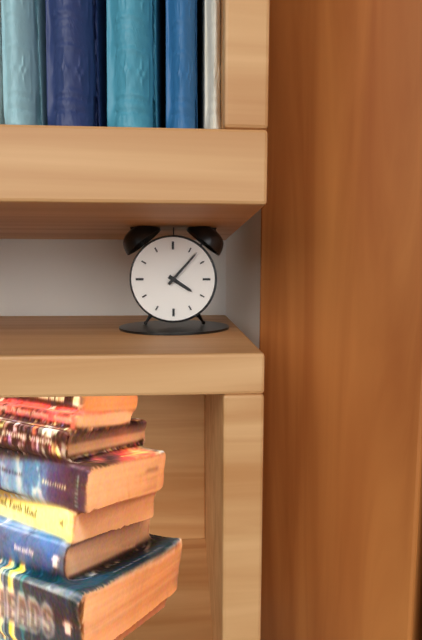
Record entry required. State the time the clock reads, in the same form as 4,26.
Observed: 4,07
